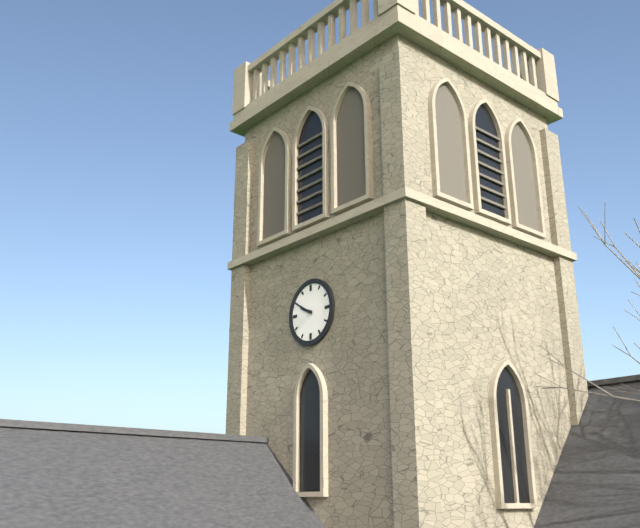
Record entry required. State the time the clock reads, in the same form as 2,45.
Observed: 9,50
